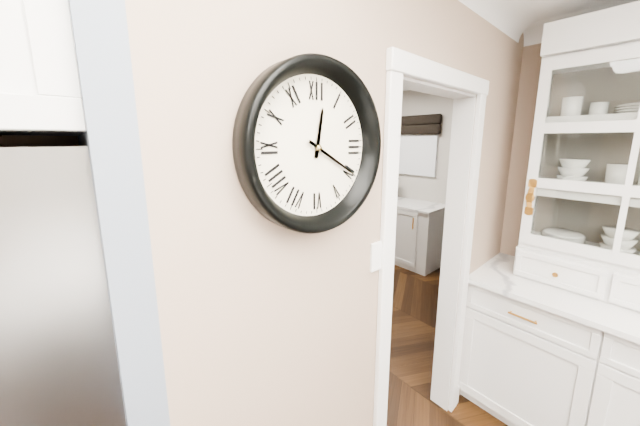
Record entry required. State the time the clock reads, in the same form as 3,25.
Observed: 12,20
